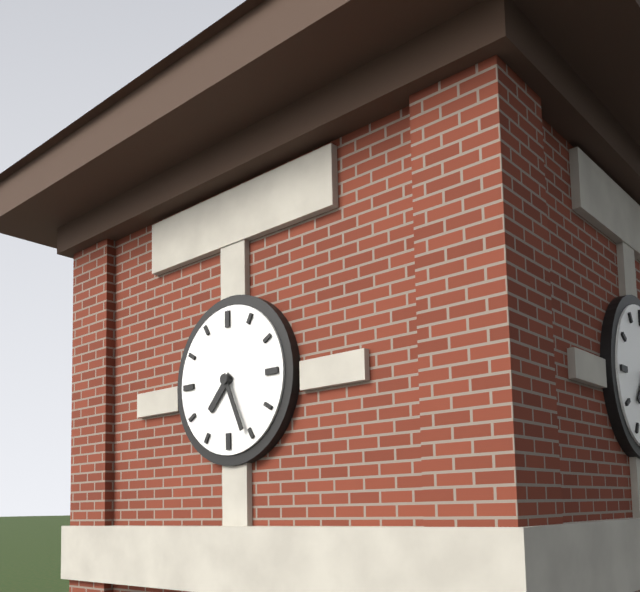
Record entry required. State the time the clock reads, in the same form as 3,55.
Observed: 7,26
